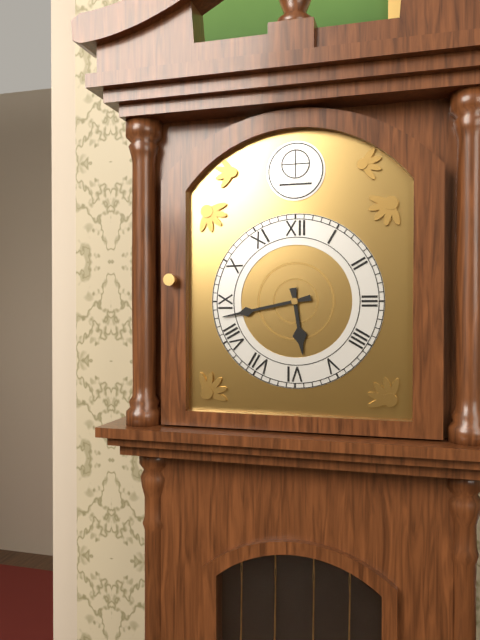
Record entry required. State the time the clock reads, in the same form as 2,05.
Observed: 5,43
